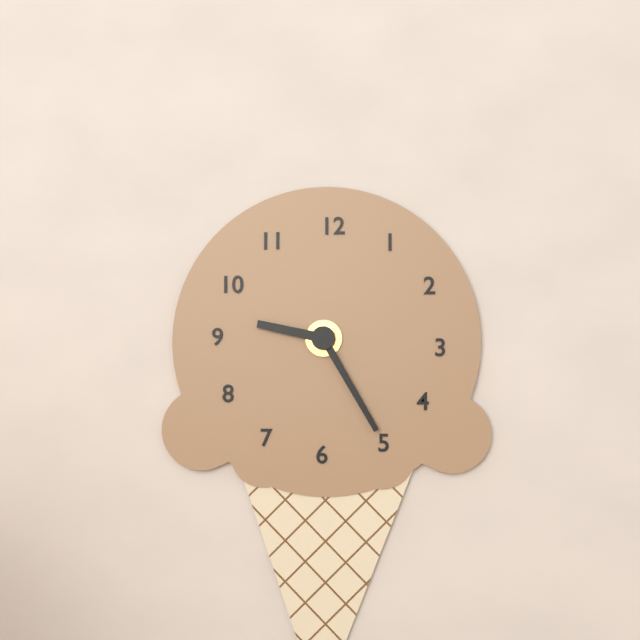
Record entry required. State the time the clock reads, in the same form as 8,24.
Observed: 9,25
